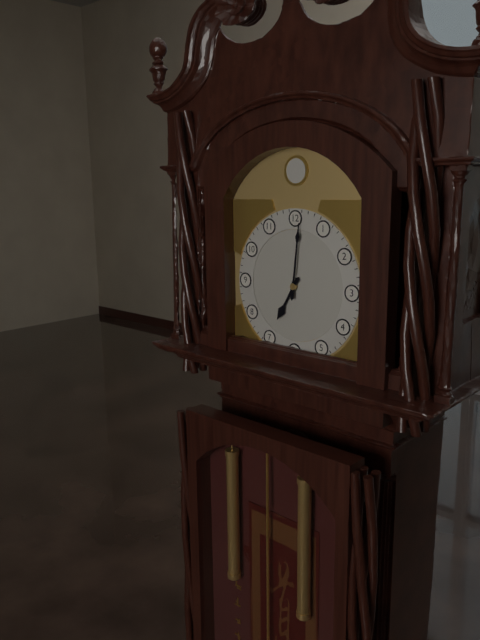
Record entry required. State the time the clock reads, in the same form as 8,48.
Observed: 7,01
